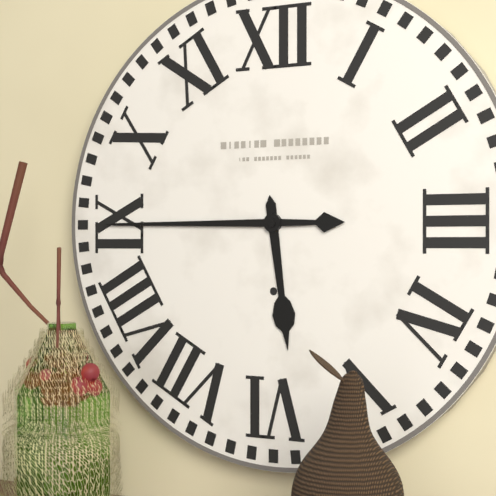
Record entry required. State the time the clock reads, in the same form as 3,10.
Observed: 5,45
